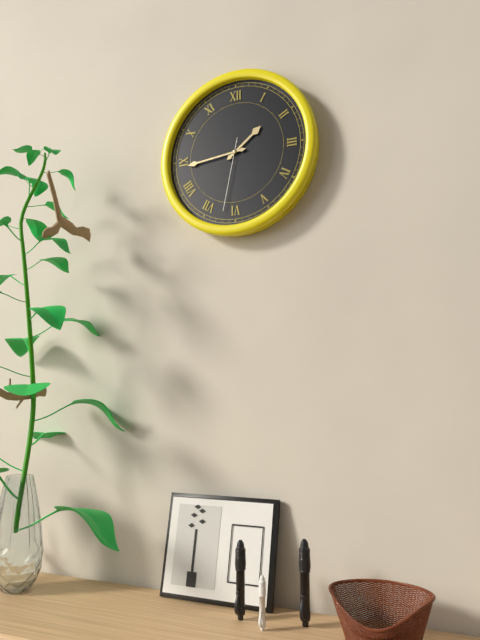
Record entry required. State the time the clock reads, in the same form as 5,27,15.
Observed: 1,44,32
